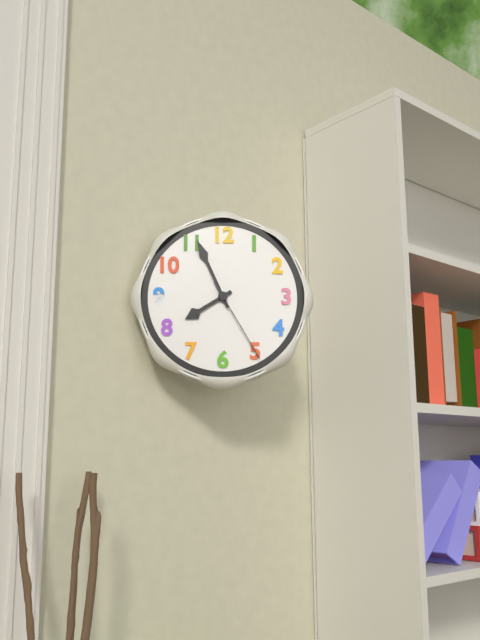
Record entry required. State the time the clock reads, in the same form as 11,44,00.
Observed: 7,56,25
